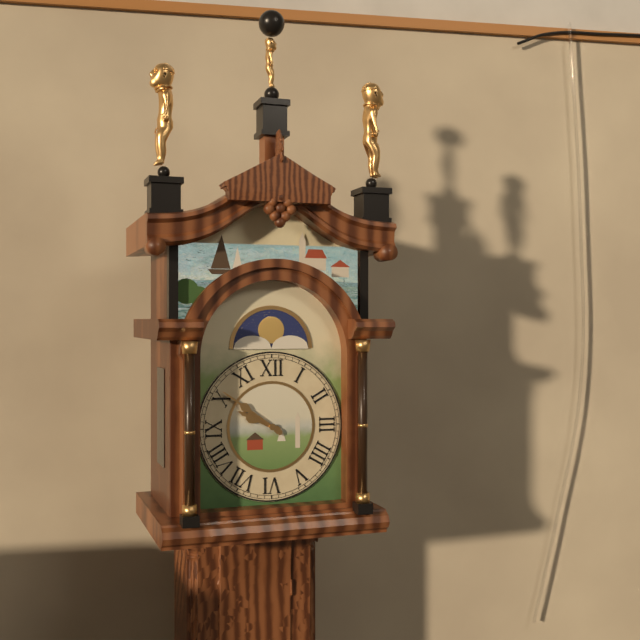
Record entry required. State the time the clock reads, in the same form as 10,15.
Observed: 9,51
